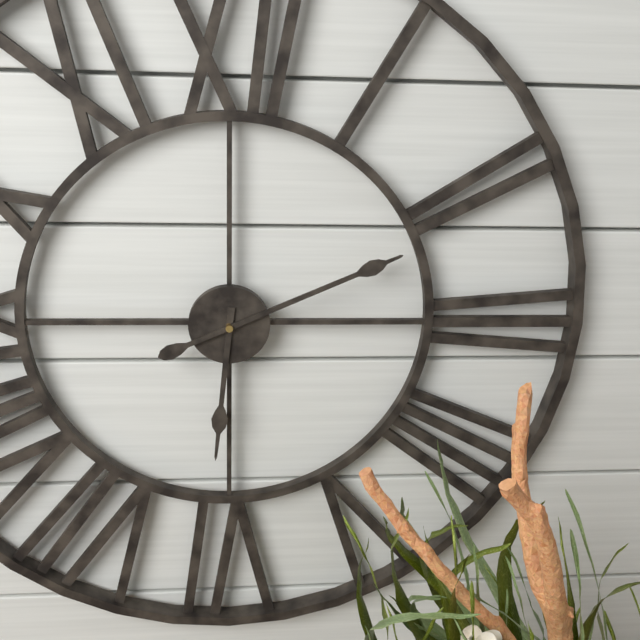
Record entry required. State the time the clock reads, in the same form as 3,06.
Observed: 6,11
